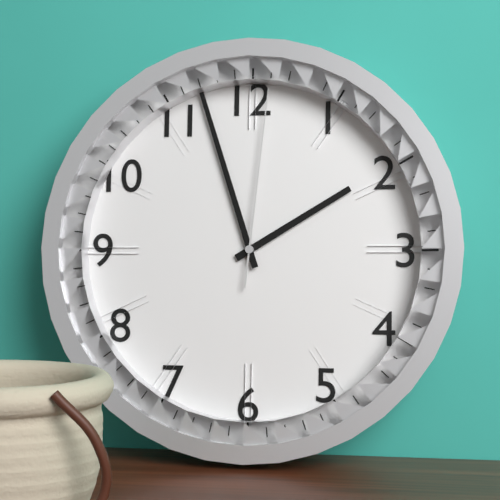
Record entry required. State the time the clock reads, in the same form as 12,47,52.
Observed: 1,57,01
